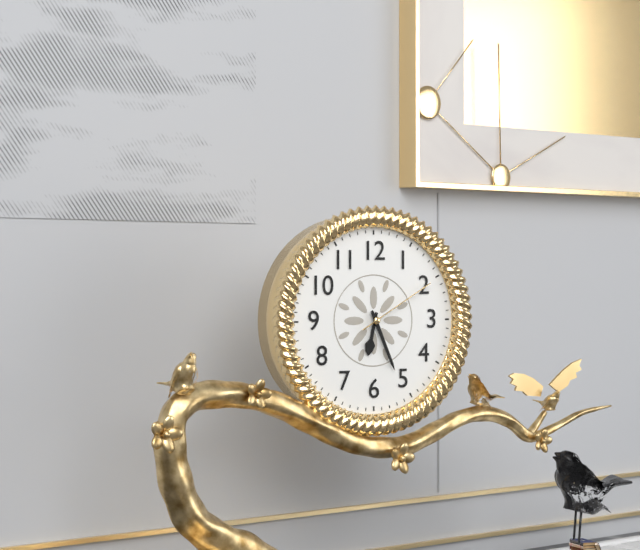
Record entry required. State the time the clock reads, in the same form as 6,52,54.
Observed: 6,26,10
